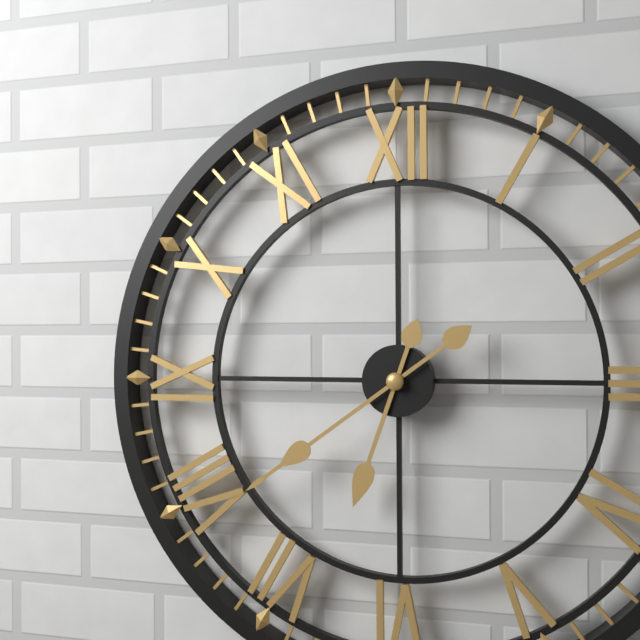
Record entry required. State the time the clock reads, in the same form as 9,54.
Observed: 6,39
